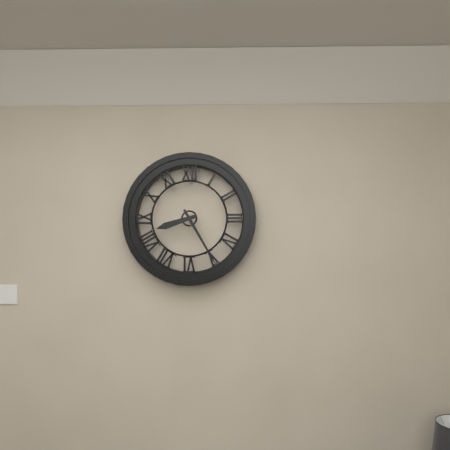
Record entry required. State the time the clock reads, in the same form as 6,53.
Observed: 8,25
